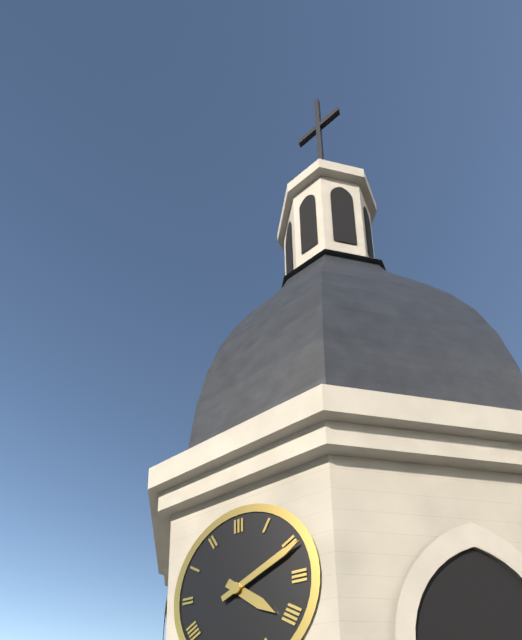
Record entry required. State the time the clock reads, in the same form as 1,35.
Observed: 4,11
